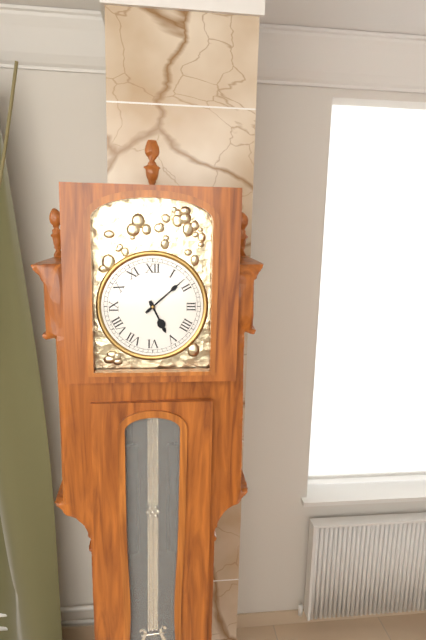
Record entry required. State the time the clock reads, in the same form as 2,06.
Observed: 5,08
